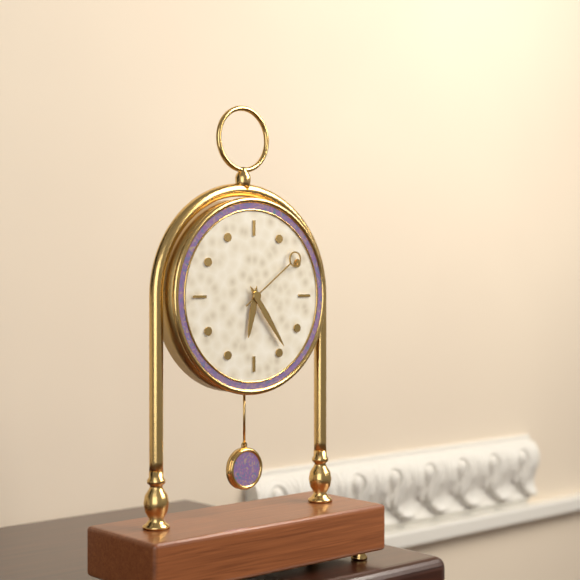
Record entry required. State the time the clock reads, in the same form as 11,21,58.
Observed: 6,24,09
